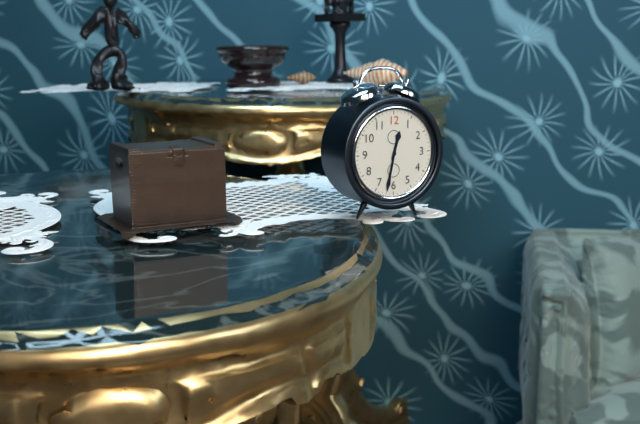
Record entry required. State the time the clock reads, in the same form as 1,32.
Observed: 12,32
